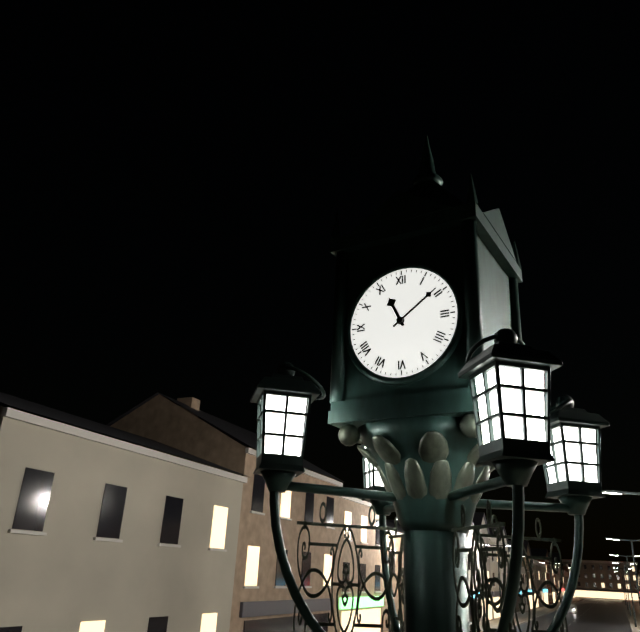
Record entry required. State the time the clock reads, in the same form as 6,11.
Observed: 11,09
